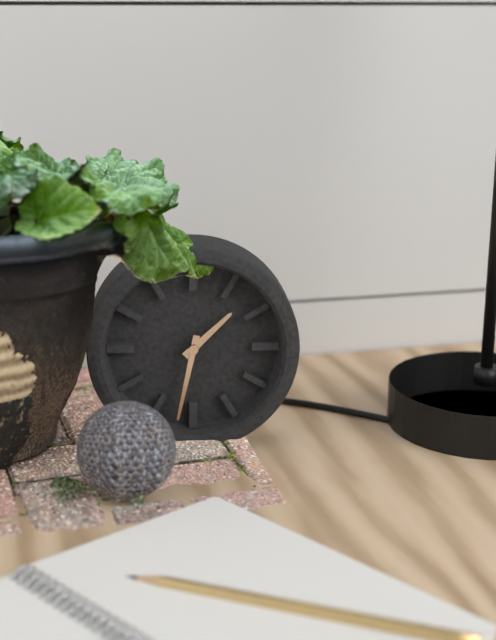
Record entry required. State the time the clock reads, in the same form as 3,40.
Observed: 1,32
